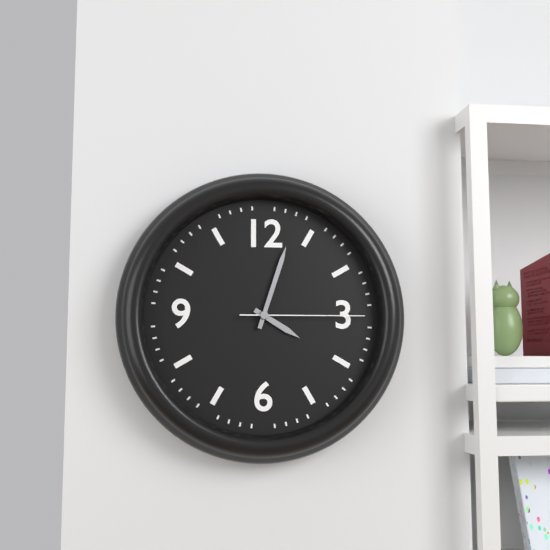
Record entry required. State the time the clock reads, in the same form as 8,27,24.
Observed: 4,03,15
